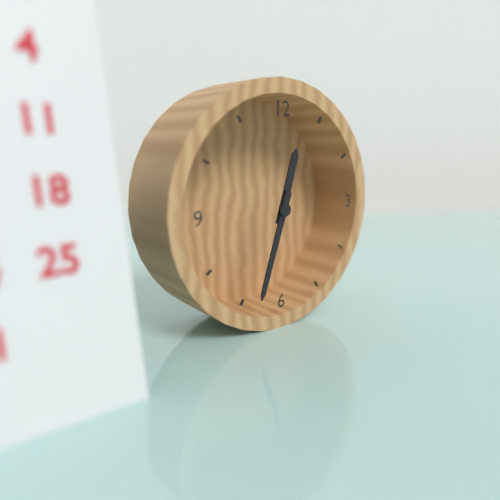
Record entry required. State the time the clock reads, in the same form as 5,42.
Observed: 12,33
